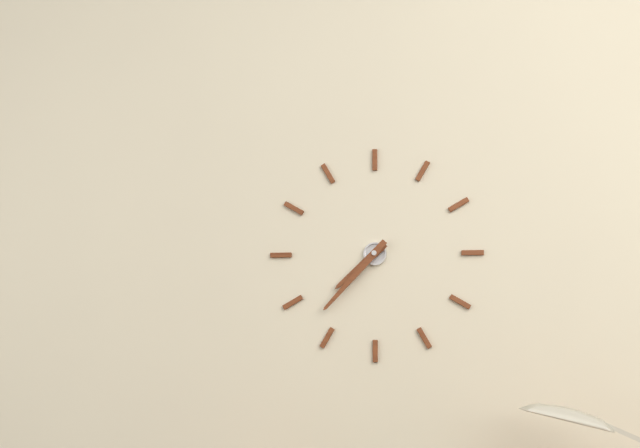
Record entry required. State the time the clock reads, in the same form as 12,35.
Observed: 7,37
